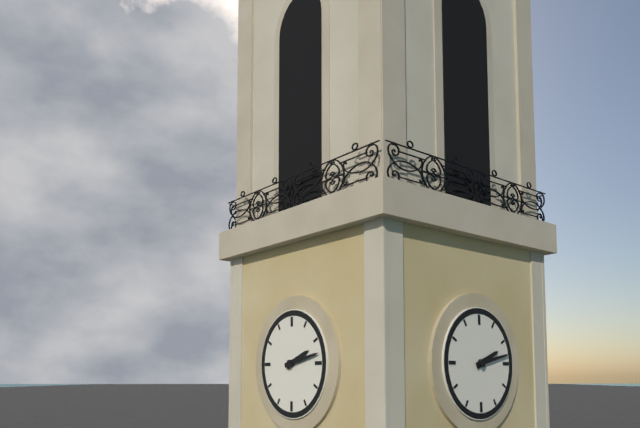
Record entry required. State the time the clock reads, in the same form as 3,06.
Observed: 2,13
